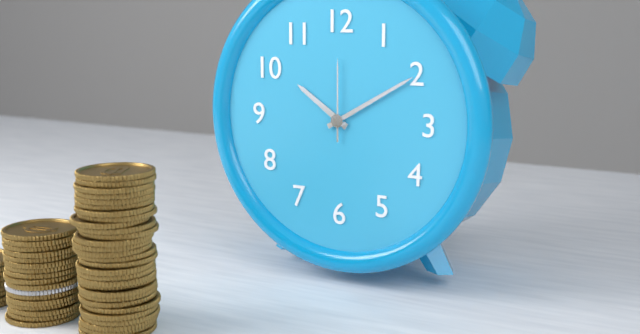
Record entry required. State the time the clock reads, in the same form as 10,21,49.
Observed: 10,10,00
